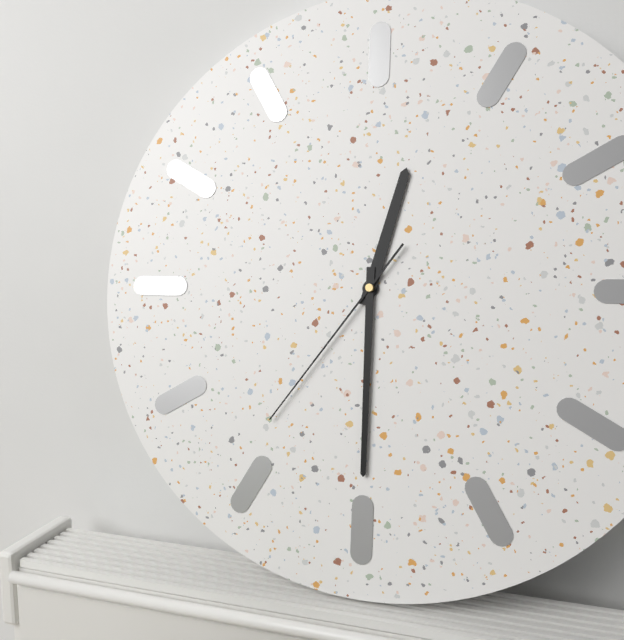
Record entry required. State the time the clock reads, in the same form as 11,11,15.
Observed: 12,30,36
